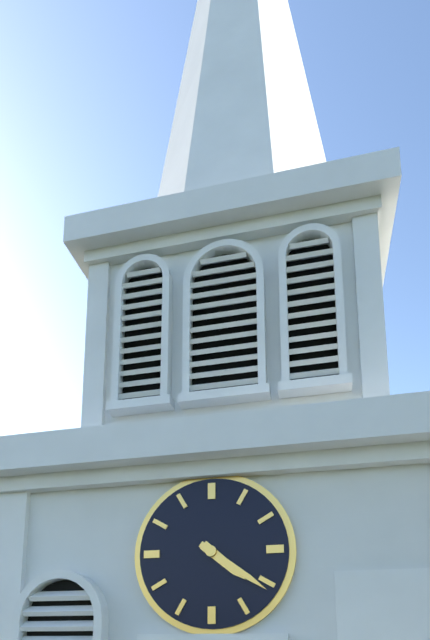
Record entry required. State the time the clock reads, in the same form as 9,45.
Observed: 4,21
